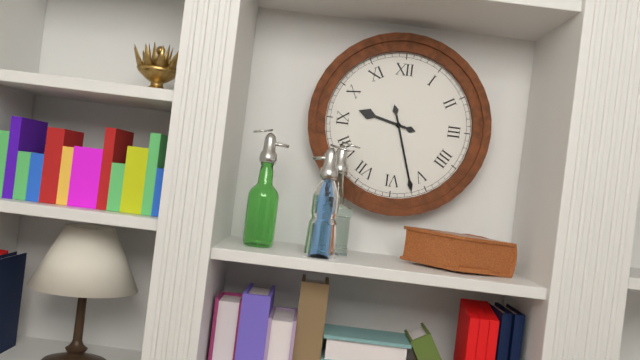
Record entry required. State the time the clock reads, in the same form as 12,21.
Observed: 9,27
